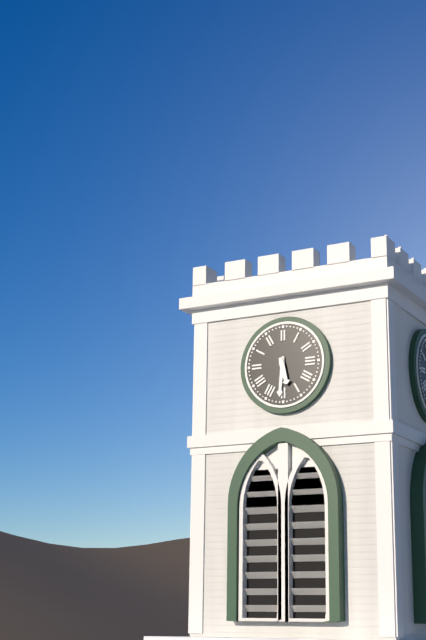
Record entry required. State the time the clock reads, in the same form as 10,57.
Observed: 5,31
